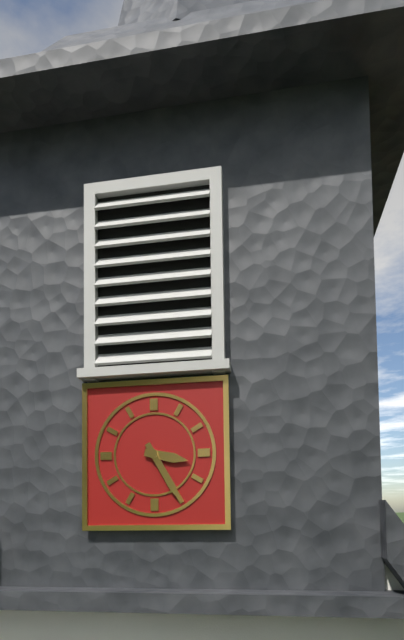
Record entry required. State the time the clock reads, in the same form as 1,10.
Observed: 3,25
